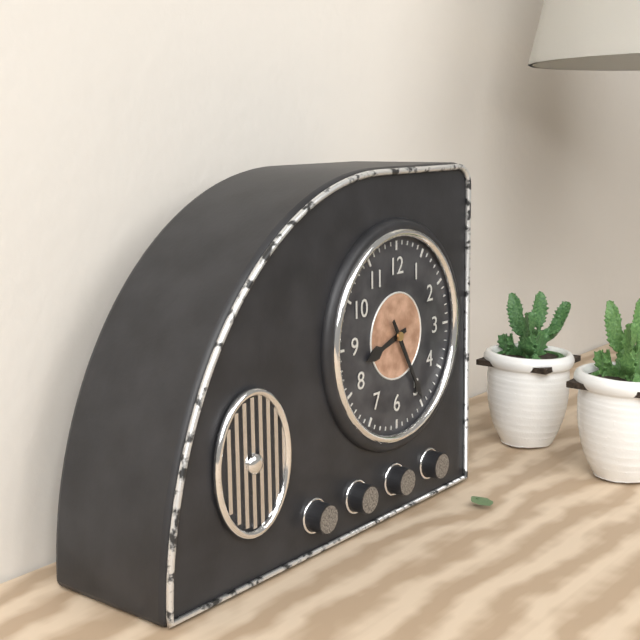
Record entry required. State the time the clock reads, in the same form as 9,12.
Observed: 8,25
